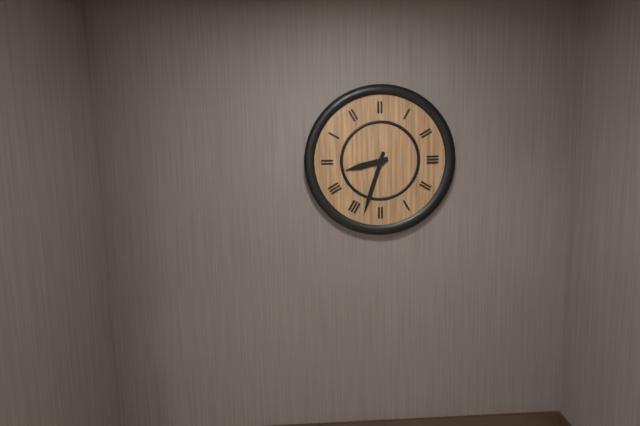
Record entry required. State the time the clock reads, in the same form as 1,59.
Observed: 8,33
